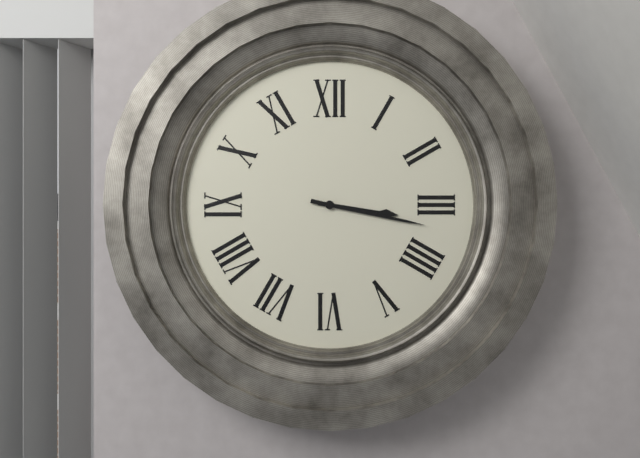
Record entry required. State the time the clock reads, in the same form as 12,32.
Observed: 3,17
